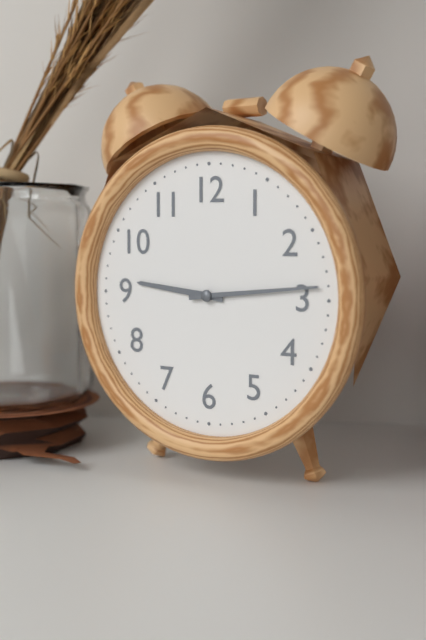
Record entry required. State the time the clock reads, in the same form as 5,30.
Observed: 9,14
